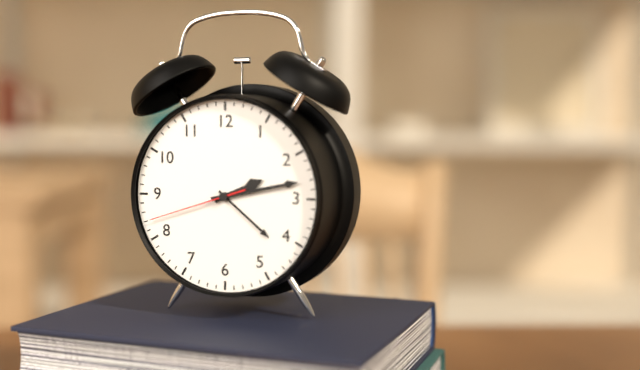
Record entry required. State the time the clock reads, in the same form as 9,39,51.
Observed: 2,13,42
